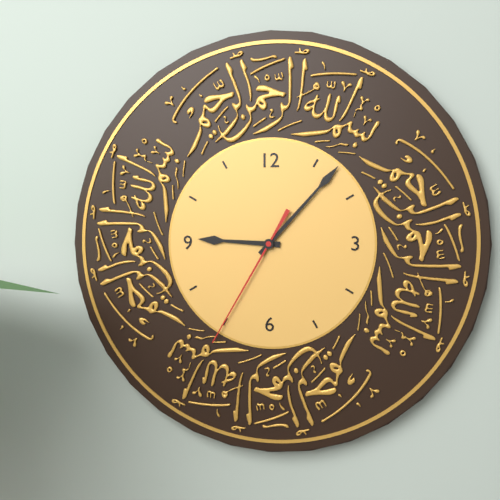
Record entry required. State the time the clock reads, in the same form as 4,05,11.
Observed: 9,07,35
